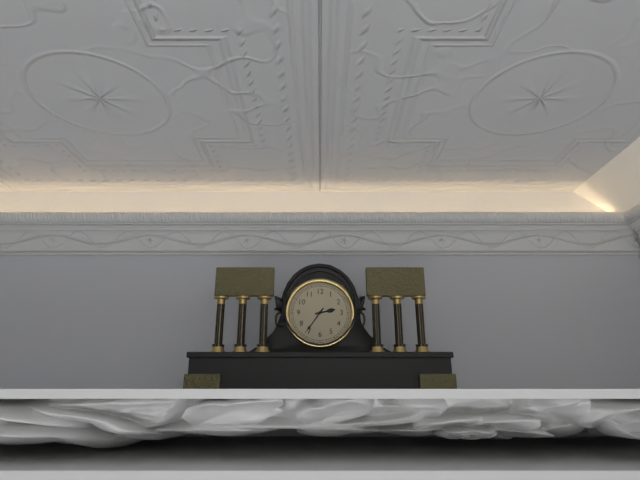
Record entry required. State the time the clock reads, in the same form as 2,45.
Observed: 2,36
